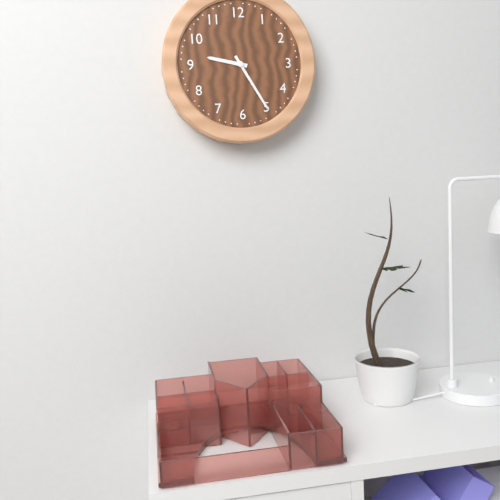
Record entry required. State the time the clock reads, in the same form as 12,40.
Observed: 9,25
